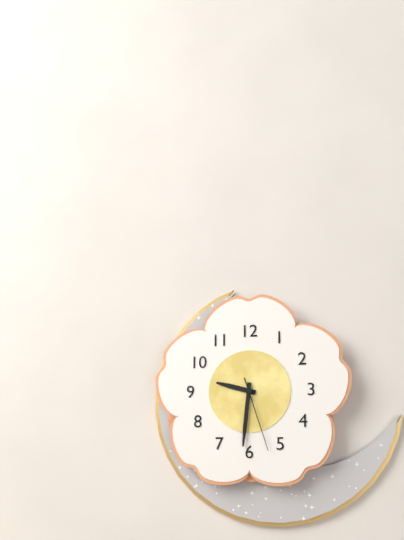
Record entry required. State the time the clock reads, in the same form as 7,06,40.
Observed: 9,31,27
